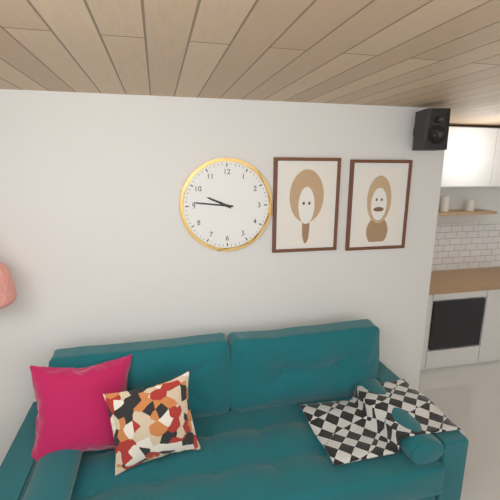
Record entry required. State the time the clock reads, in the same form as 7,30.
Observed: 9,46
